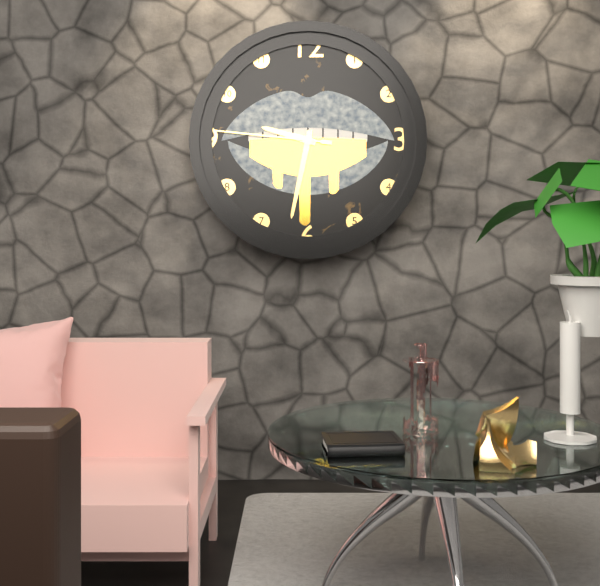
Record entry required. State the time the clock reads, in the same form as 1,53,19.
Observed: 9,32,46
